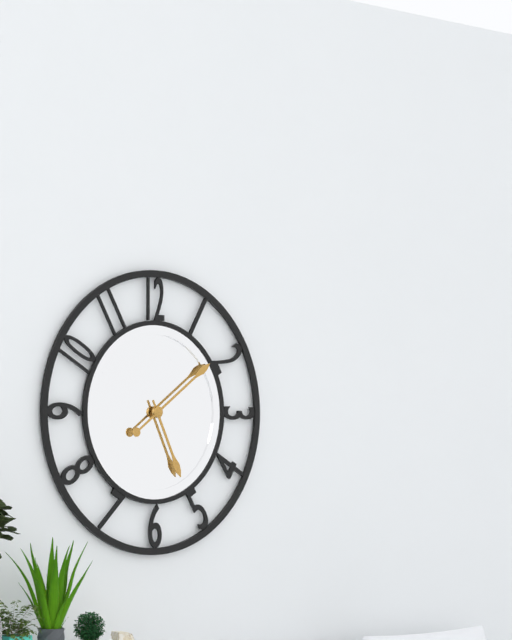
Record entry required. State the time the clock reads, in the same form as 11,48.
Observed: 5,09
